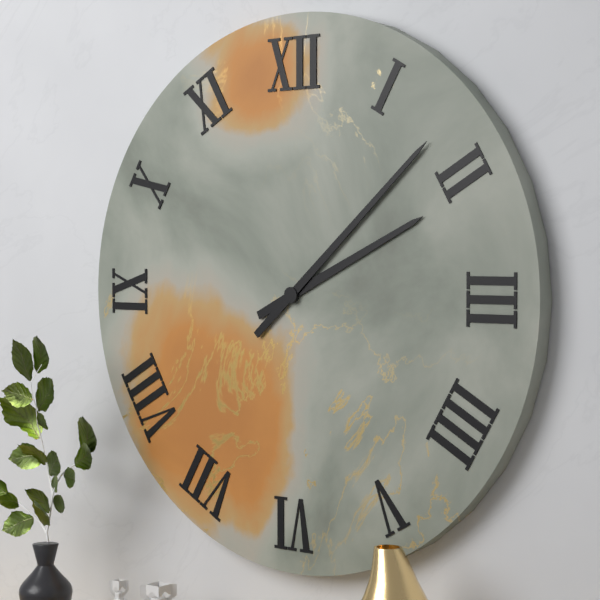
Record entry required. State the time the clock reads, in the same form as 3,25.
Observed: 2,08
